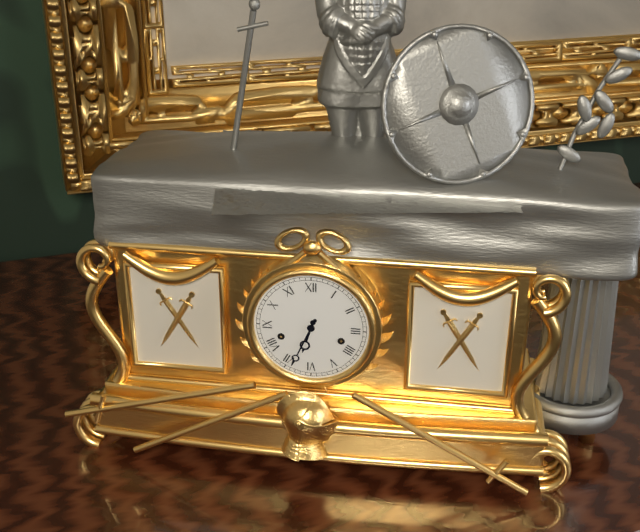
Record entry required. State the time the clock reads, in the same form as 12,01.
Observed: 6,34
